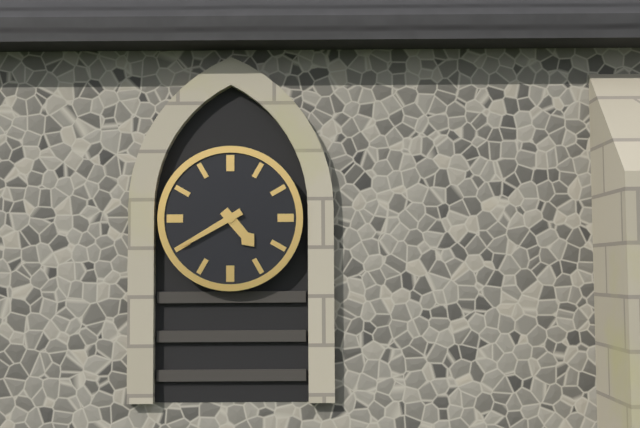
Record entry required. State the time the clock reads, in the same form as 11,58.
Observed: 4,40
